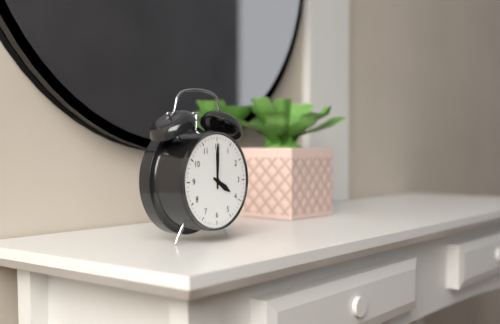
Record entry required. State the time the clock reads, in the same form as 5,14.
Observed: 4,00
